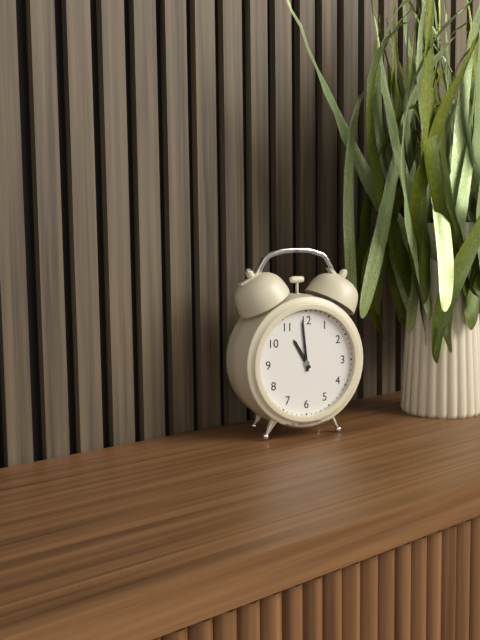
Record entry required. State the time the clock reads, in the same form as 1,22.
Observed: 10,59
